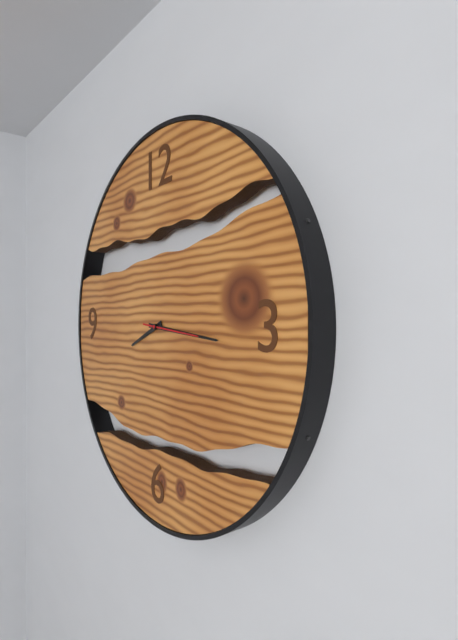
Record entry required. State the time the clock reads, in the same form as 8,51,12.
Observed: 8,16,16
